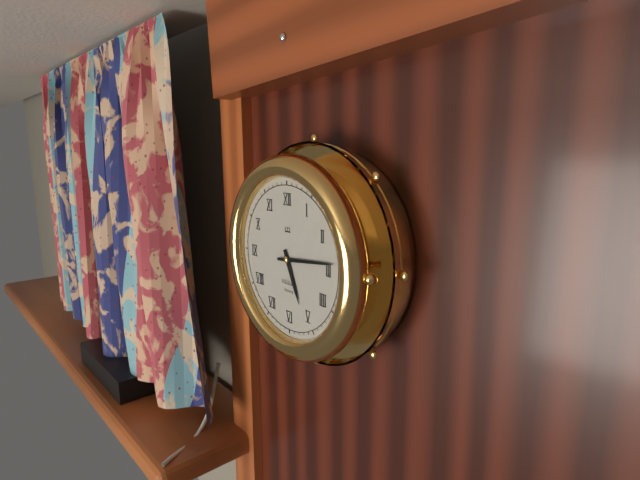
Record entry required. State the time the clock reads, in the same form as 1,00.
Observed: 5,14
